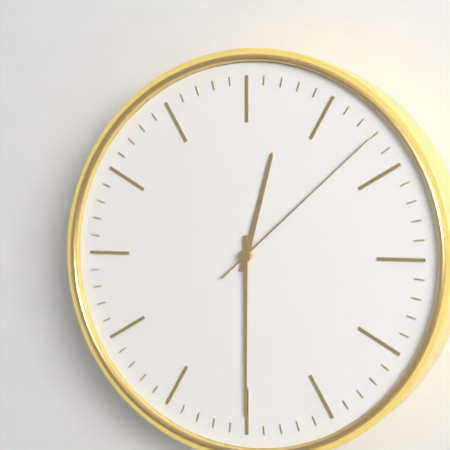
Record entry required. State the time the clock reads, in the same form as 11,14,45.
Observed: 12,30,08
